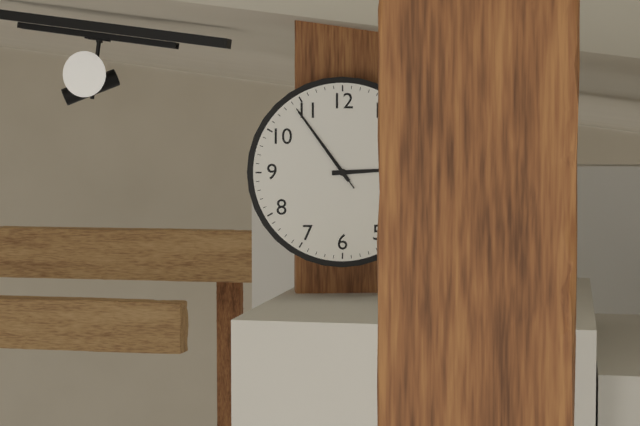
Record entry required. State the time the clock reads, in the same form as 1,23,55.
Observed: 2,54,54
